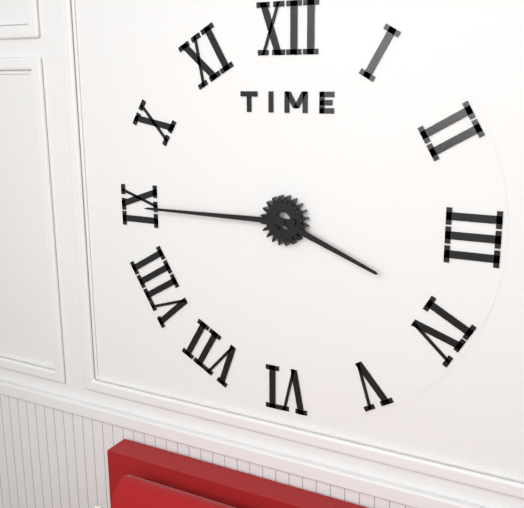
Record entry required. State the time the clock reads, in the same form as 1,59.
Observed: 3,45
